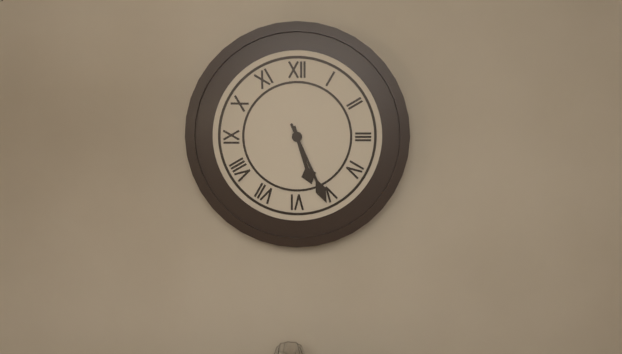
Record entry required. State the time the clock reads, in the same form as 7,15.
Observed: 5,26
